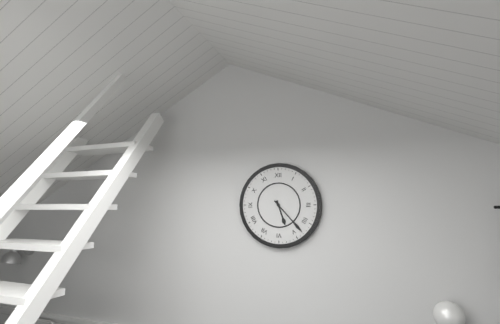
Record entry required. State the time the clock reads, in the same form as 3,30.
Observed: 5,23
